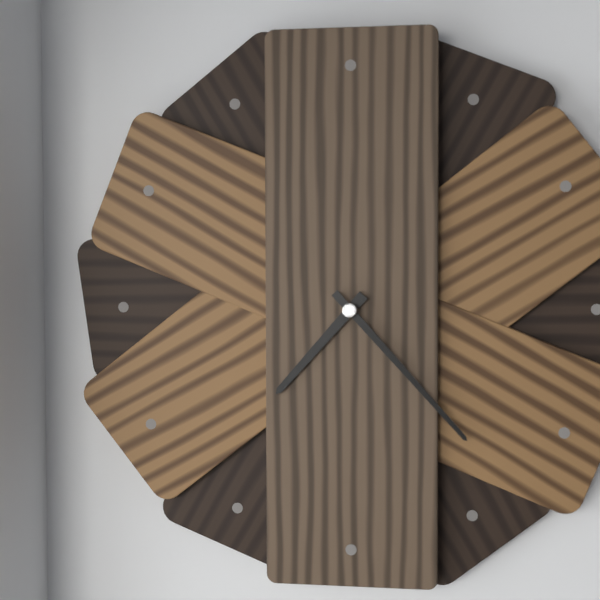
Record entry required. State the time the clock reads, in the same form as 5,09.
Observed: 7,23
